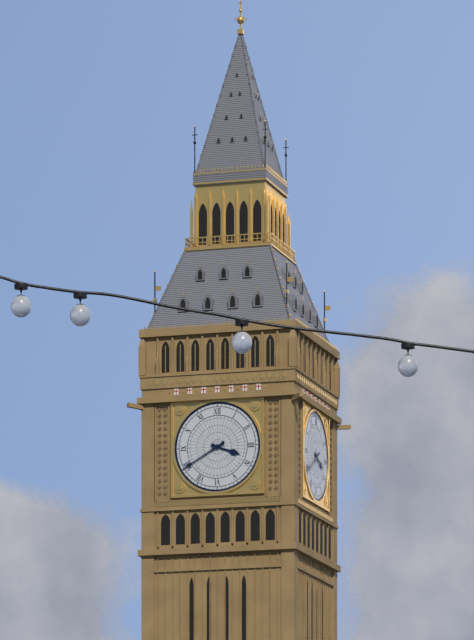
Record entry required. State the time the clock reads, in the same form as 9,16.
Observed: 3,40
